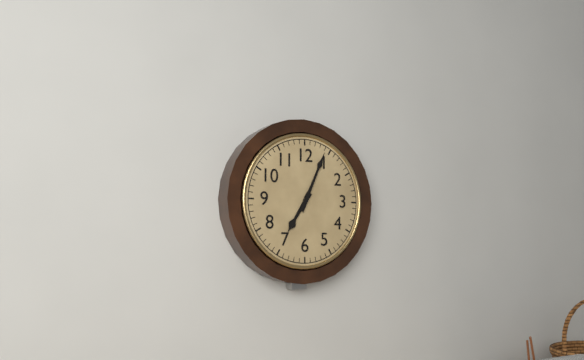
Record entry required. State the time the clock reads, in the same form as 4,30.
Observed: 7,04
